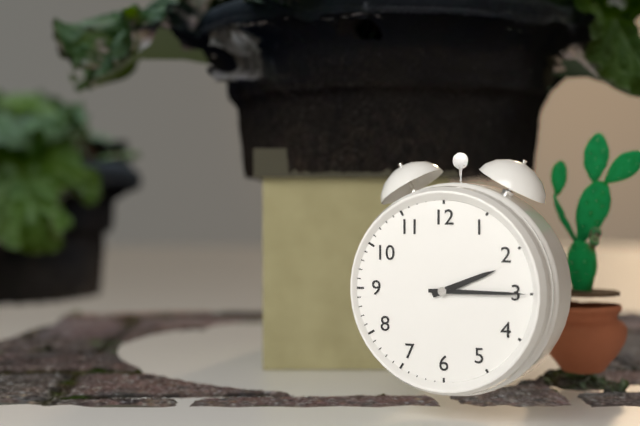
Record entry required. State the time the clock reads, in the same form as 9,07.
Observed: 2,15
